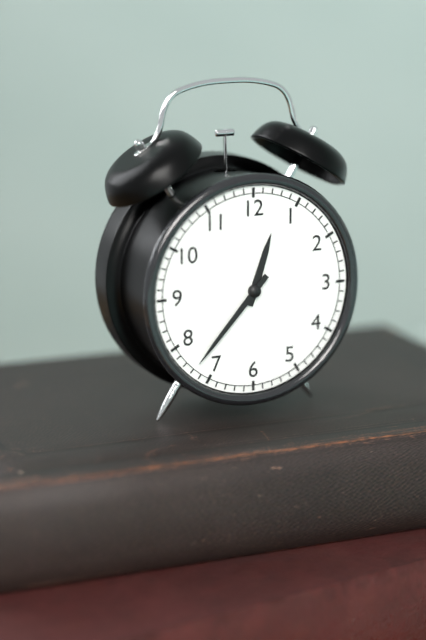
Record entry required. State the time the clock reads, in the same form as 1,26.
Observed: 12,37
